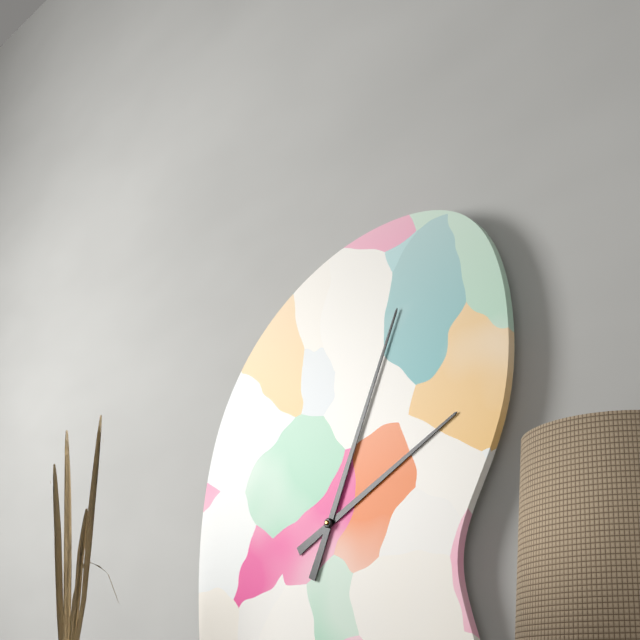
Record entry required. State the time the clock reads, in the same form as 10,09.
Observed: 2,04
